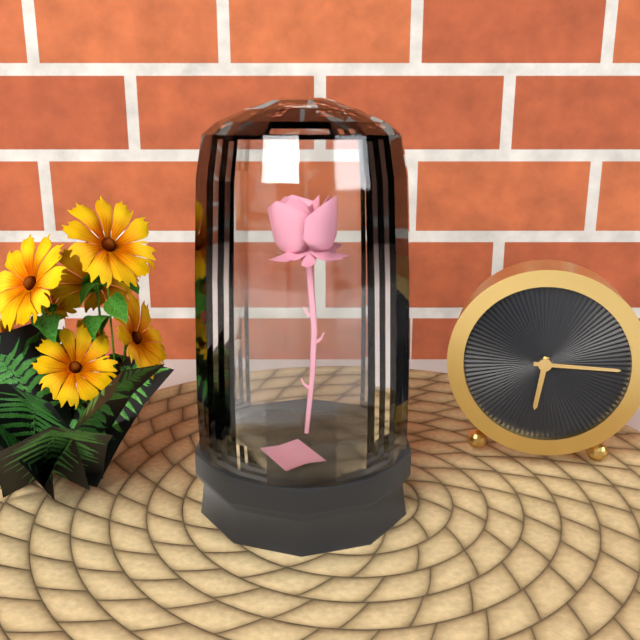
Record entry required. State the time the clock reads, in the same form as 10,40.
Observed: 6,15
